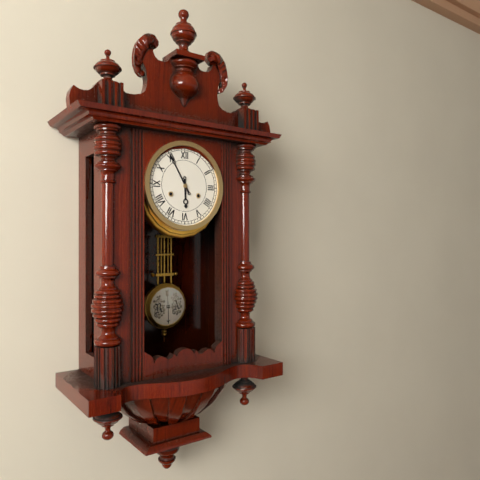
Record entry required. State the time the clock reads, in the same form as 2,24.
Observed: 5,55
